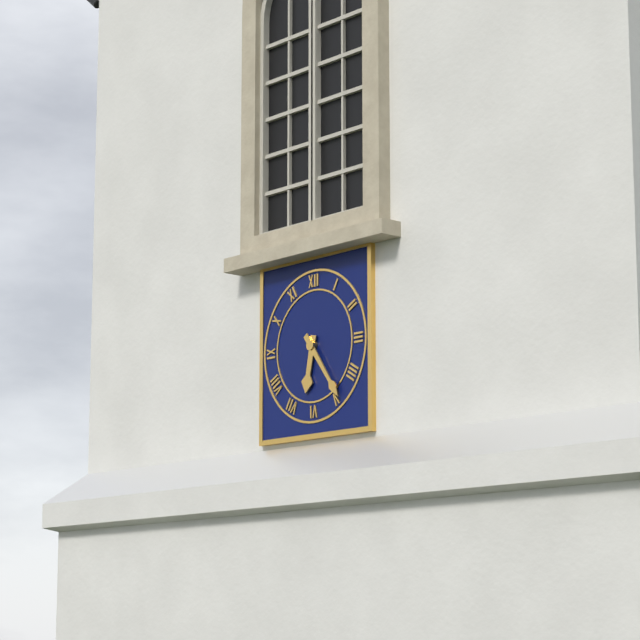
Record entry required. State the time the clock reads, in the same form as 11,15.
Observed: 6,24
